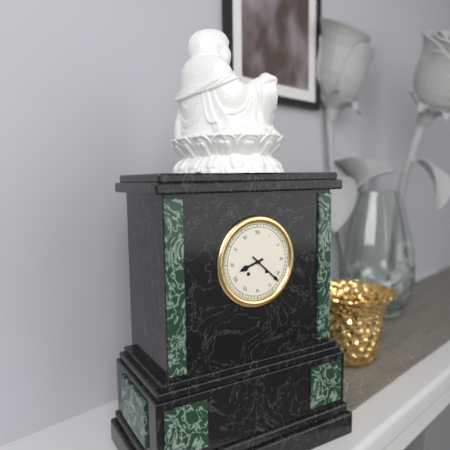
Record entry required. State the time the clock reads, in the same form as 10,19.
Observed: 8,22
